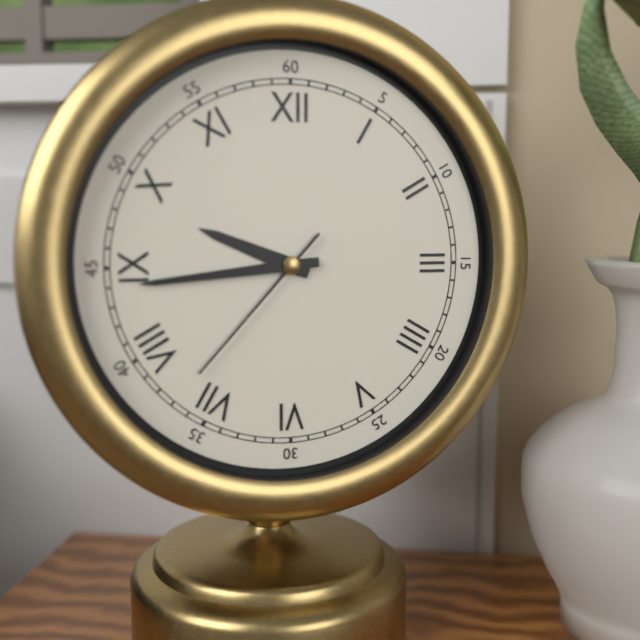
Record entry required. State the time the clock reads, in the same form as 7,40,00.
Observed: 9,44,37
